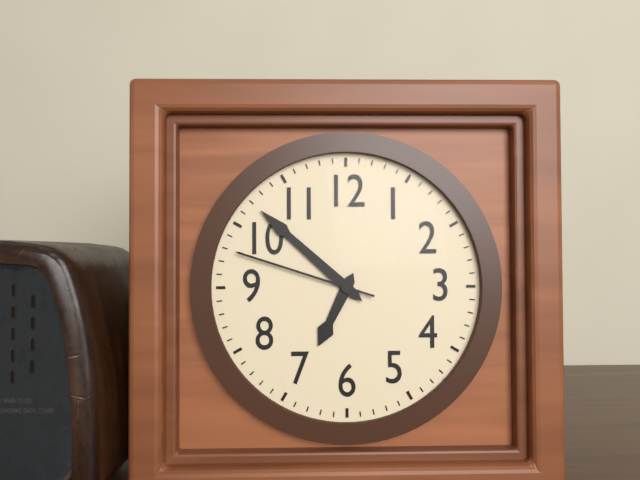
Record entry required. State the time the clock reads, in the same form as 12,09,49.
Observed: 6,52,48
